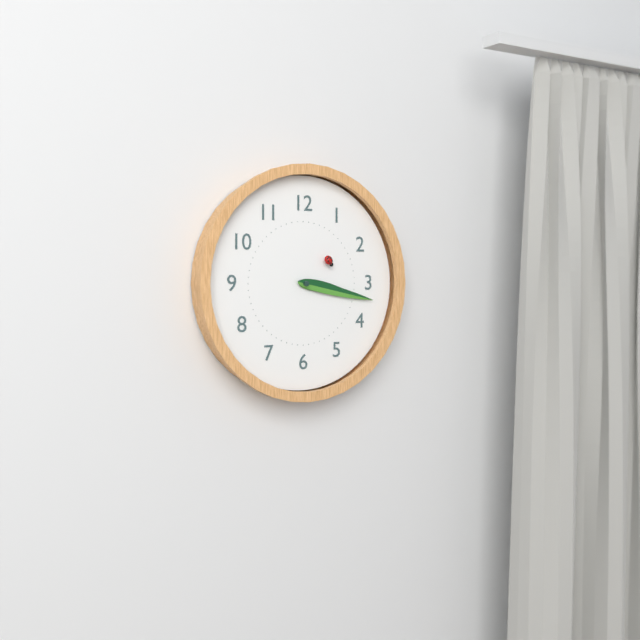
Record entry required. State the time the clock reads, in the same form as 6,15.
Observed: 3,17
